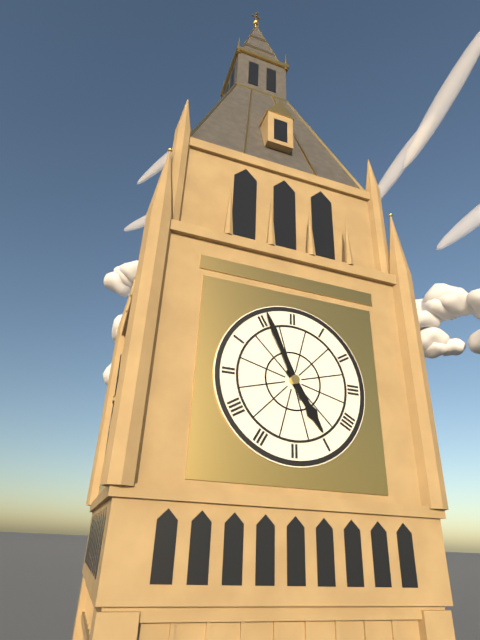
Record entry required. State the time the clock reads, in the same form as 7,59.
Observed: 4,56
